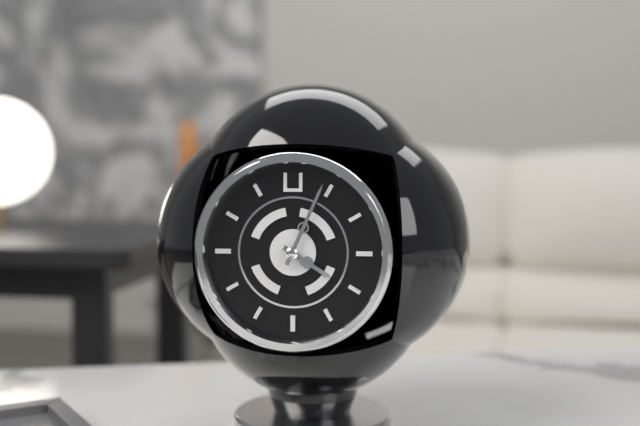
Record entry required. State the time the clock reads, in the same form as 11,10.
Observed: 4,04
